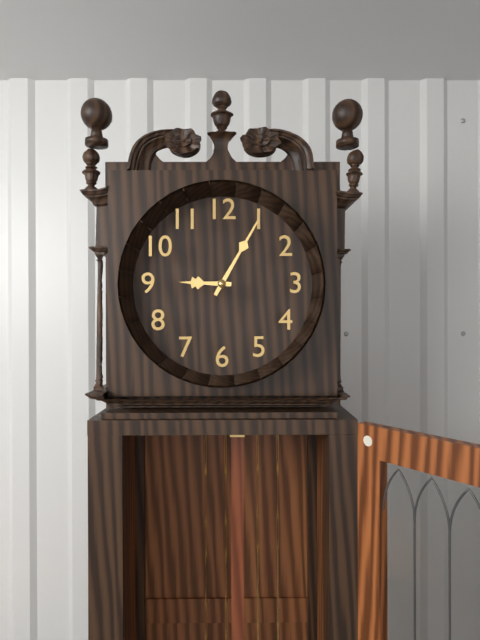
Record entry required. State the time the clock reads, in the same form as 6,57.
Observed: 9,05
